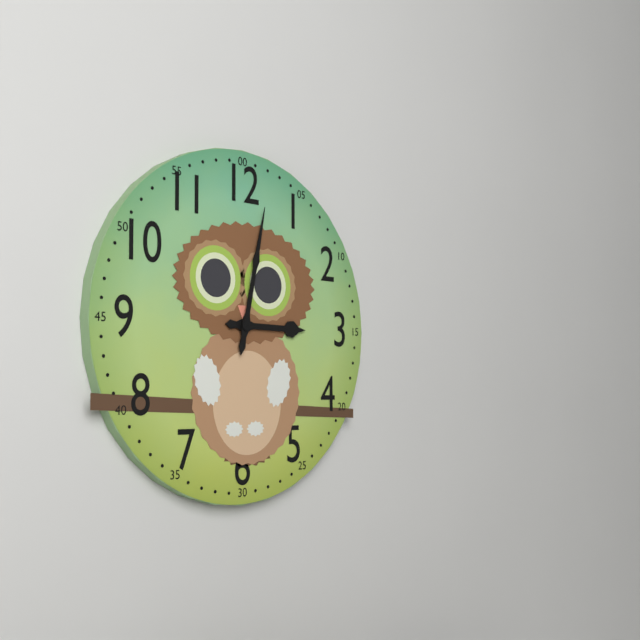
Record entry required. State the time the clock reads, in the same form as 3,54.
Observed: 3,02
